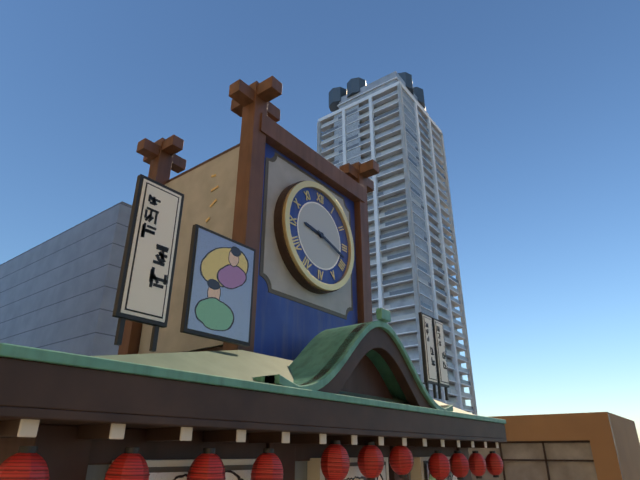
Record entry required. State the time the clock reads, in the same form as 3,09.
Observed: 9,18
